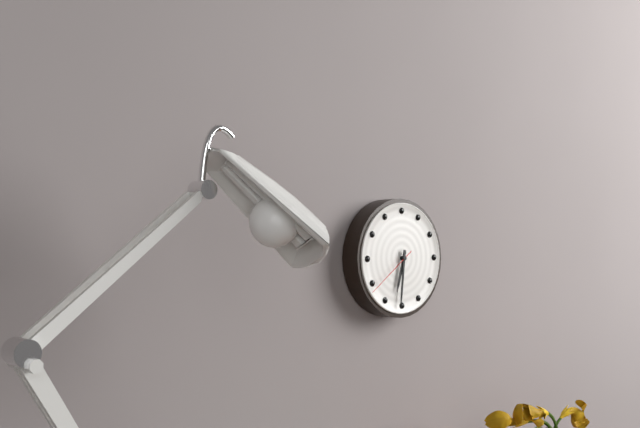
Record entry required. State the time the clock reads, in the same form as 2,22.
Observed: 6,31
